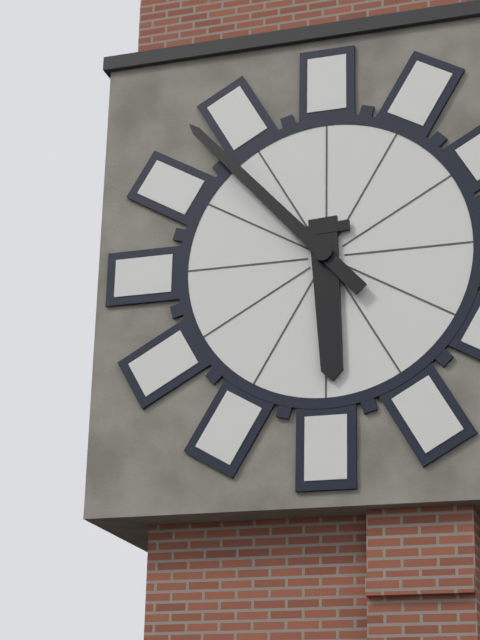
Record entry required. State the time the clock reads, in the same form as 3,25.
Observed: 5,53
